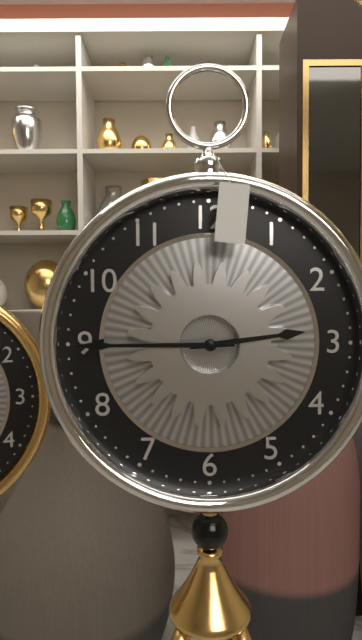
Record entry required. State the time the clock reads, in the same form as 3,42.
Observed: 2,45
